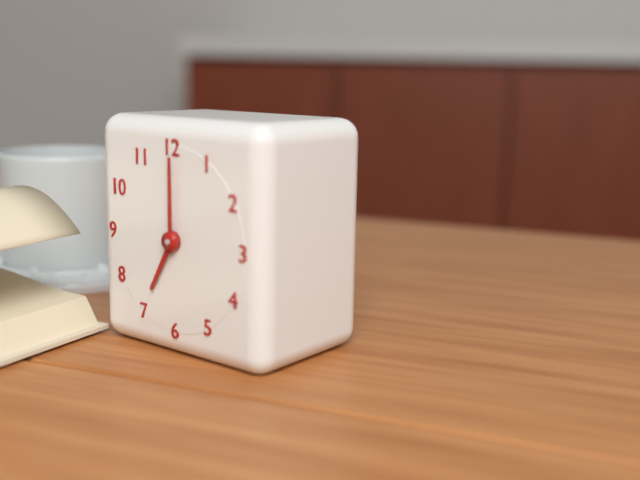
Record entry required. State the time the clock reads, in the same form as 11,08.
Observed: 7,00
